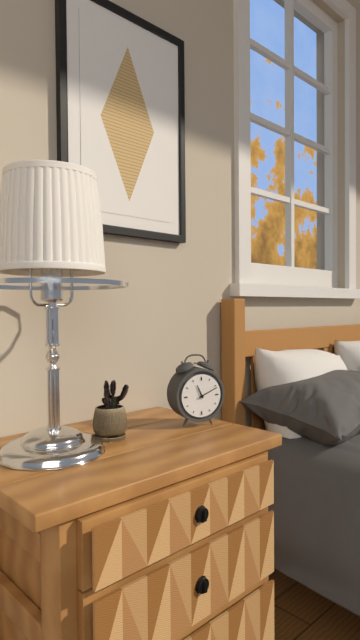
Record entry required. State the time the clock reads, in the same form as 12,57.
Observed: 11,11
